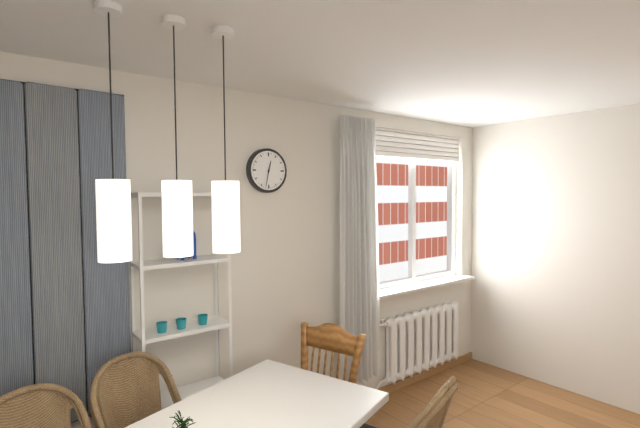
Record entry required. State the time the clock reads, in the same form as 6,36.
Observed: 12,32
